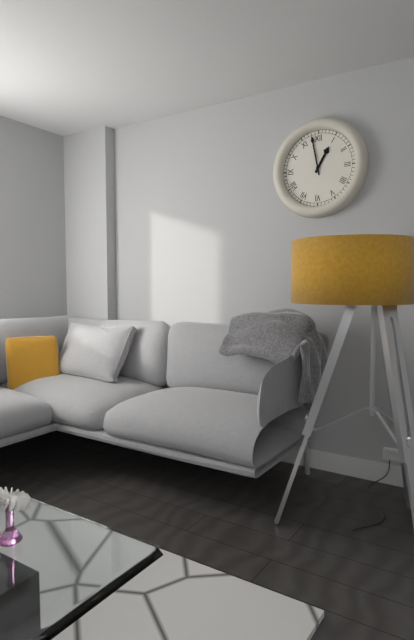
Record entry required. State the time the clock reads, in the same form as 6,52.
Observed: 12,58
